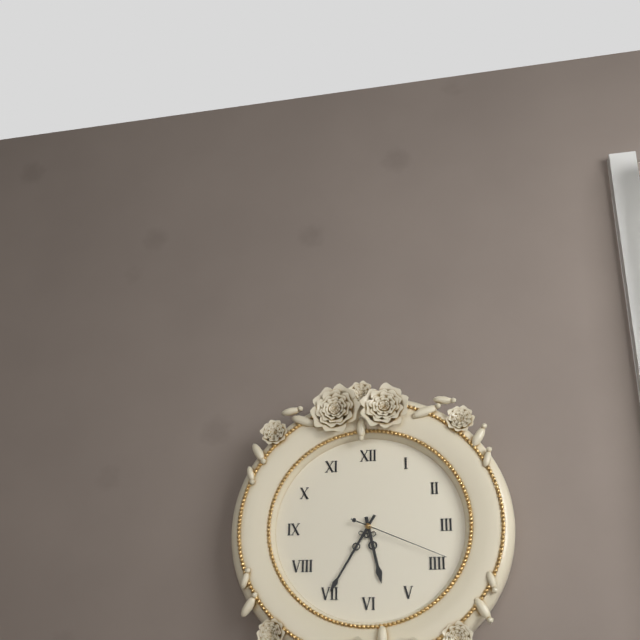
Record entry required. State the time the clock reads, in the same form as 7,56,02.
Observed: 5,35,19
